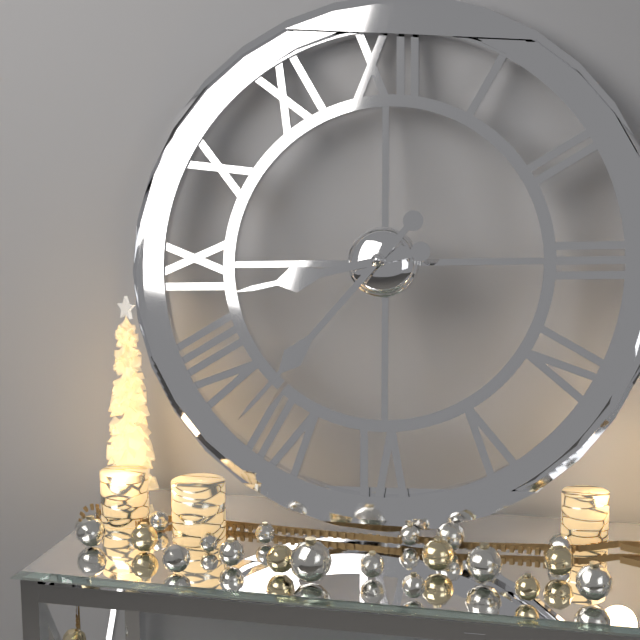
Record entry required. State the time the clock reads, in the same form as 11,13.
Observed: 8,37
